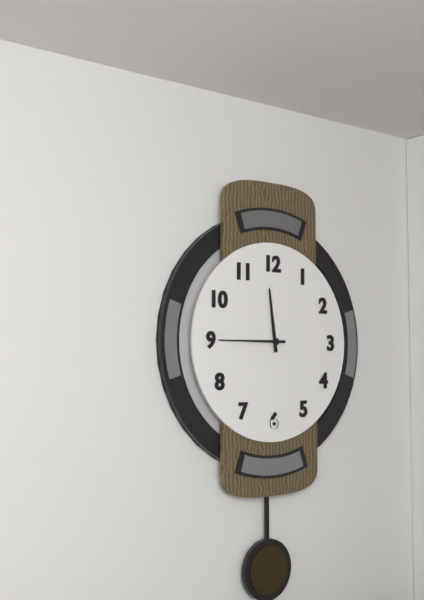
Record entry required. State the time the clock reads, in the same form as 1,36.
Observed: 11,45
